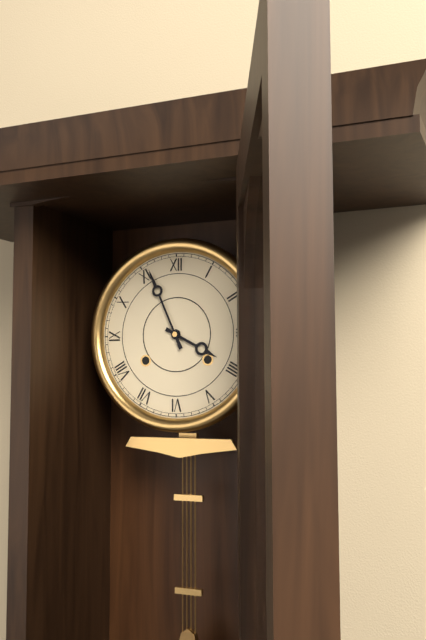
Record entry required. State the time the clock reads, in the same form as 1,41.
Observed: 3,56
